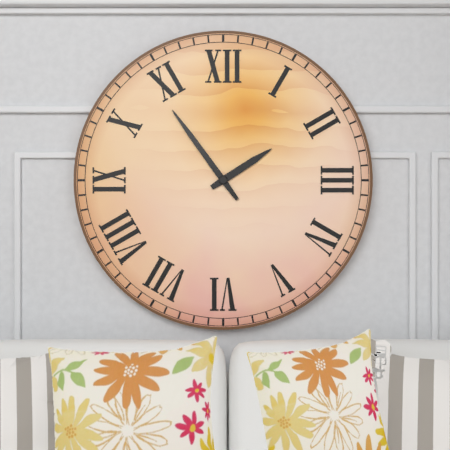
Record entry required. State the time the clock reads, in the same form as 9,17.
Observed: 1,54
